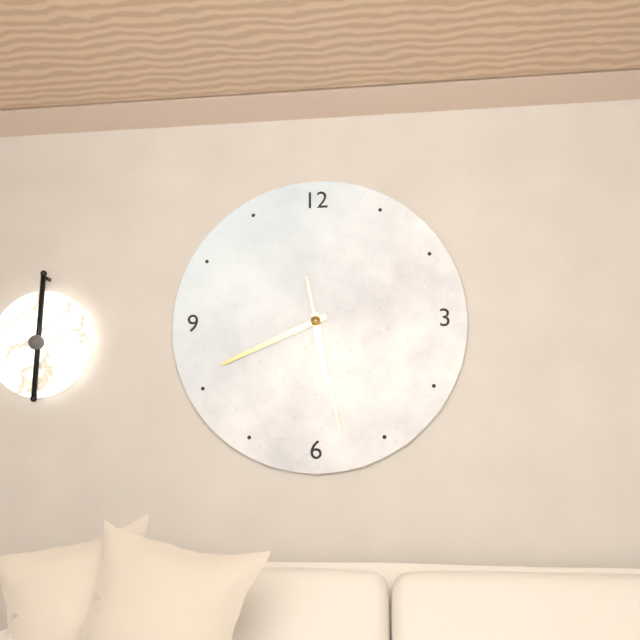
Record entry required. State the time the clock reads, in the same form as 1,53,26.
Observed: 5,41,28
